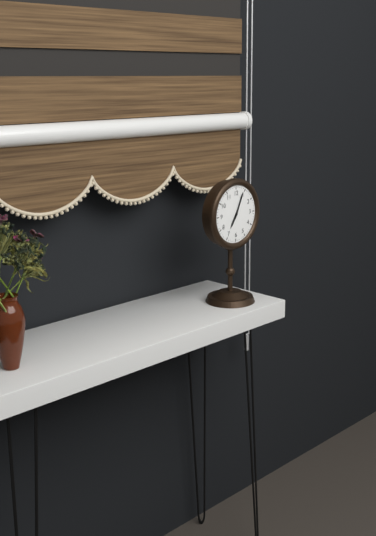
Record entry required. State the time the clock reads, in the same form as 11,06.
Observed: 7,04
